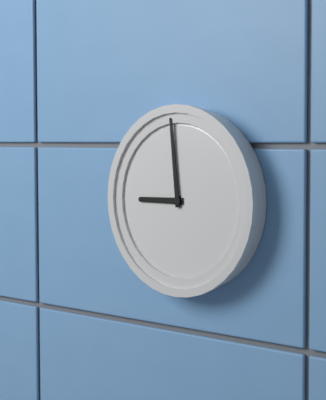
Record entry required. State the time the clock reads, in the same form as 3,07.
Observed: 8,59
